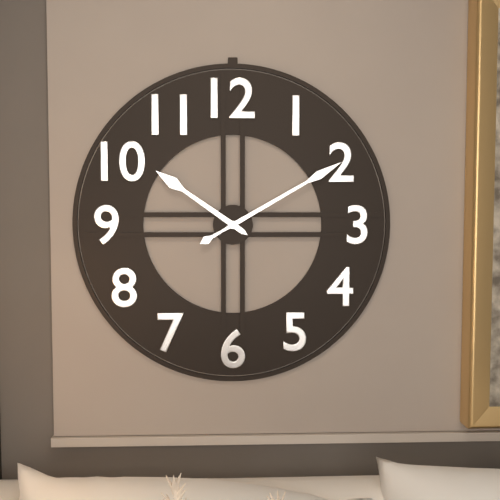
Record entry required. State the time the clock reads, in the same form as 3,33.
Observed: 10,10
